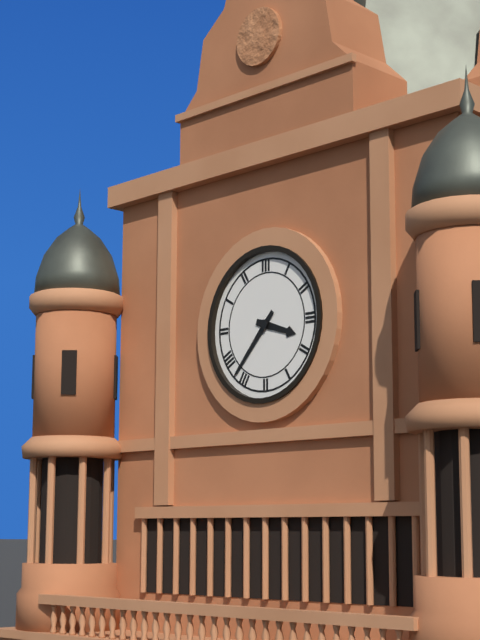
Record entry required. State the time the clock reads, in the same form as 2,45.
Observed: 3,37
